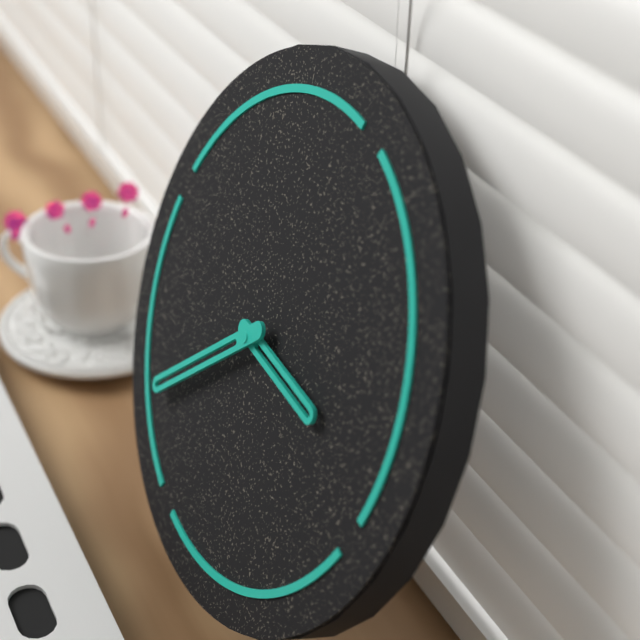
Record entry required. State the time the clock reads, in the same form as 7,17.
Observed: 2,35
